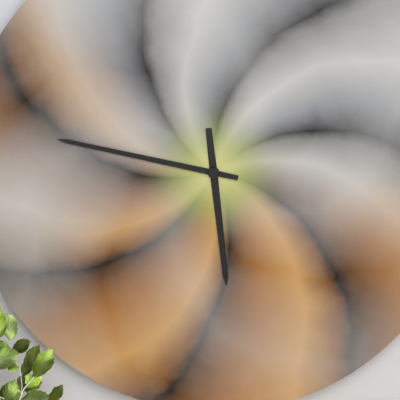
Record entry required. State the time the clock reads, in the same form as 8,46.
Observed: 5,47
